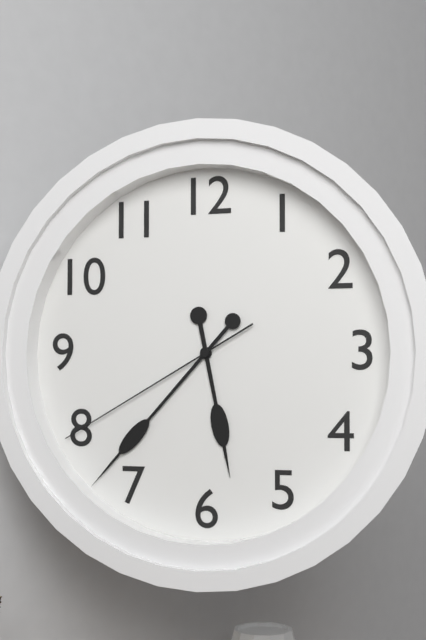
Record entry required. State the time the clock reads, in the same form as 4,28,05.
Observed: 5,37,40
